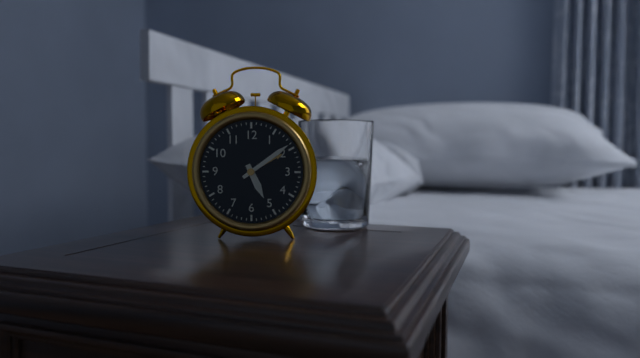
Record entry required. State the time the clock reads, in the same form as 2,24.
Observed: 5,09
